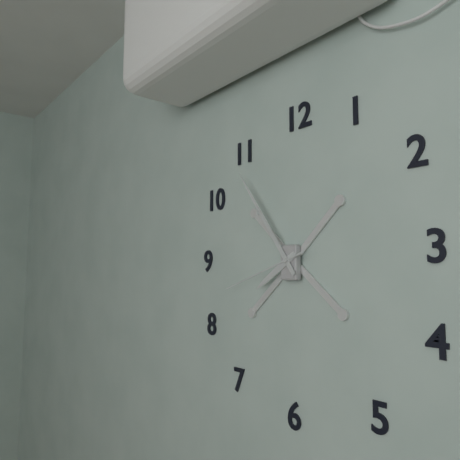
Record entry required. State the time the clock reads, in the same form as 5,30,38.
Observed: 7,54,42
